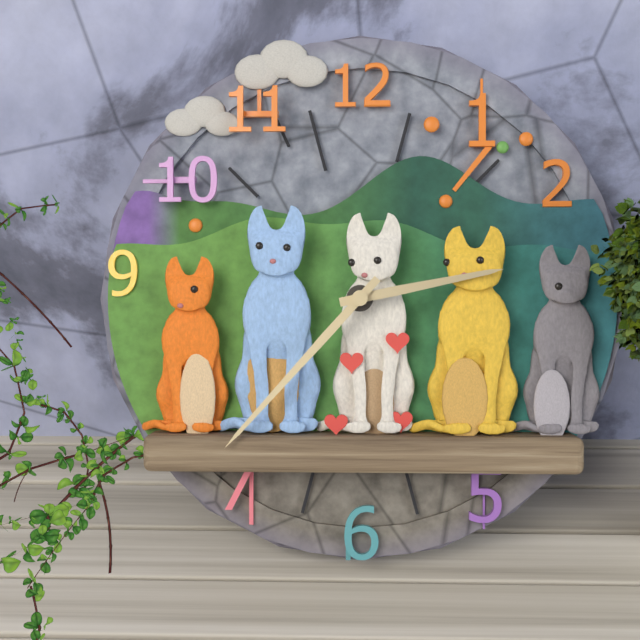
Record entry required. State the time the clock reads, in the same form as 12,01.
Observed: 2,37
